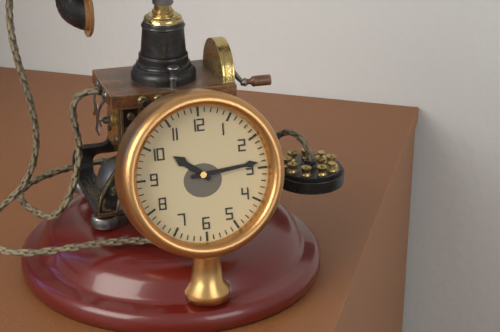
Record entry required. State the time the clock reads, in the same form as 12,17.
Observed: 10,14
